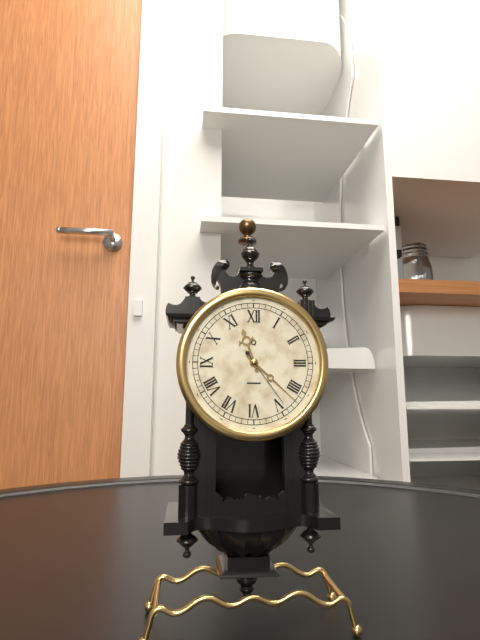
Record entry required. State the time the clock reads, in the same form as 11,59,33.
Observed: 11,22,24
